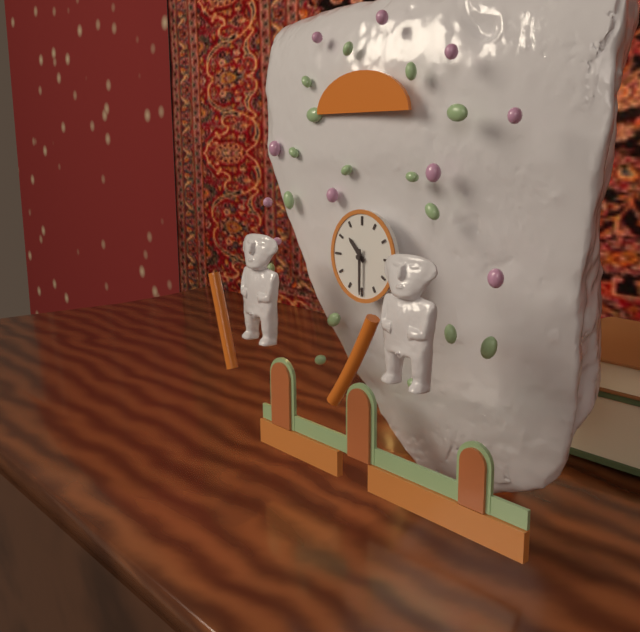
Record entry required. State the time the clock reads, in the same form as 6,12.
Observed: 10,30
